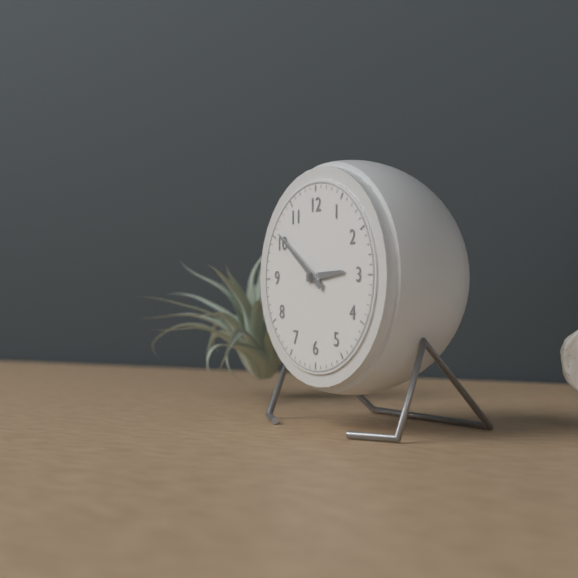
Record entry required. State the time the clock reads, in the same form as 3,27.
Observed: 2,51
